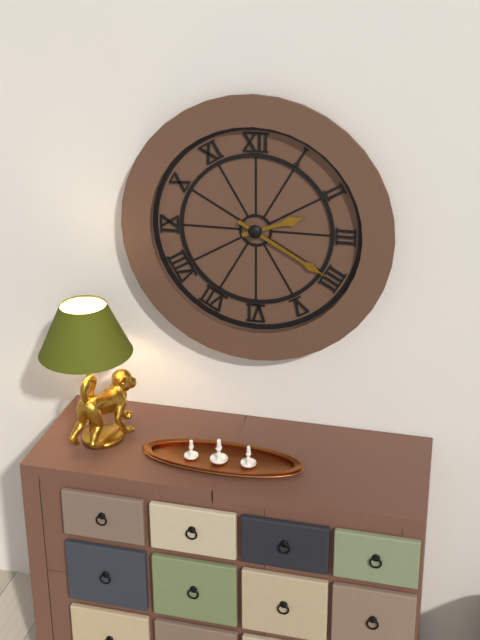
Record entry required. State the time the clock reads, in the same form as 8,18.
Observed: 2,20
